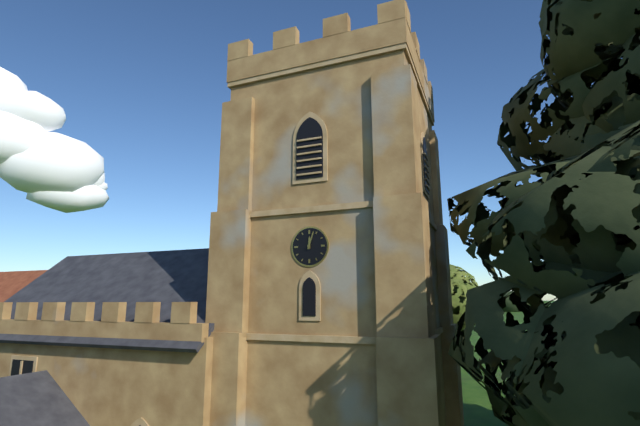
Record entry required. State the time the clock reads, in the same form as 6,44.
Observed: 12,03
